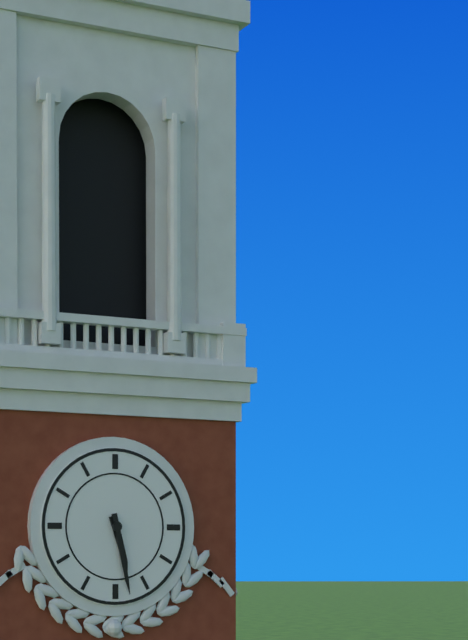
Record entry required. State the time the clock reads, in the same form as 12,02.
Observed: 5,28
